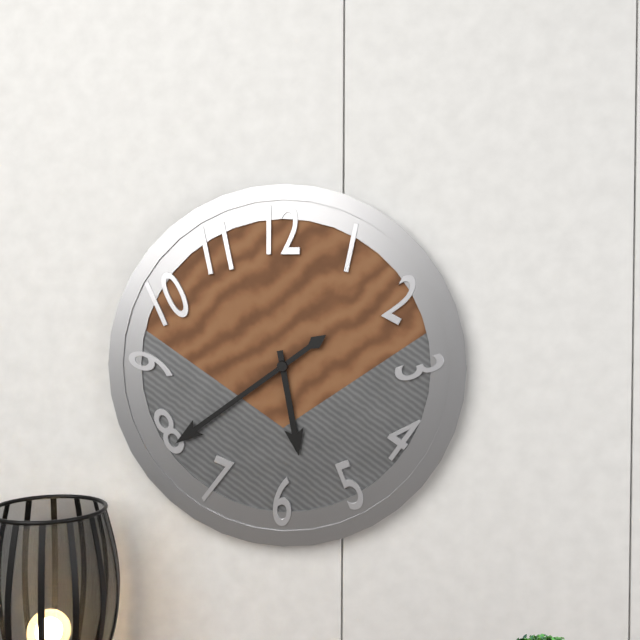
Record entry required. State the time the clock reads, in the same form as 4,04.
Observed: 5,39
